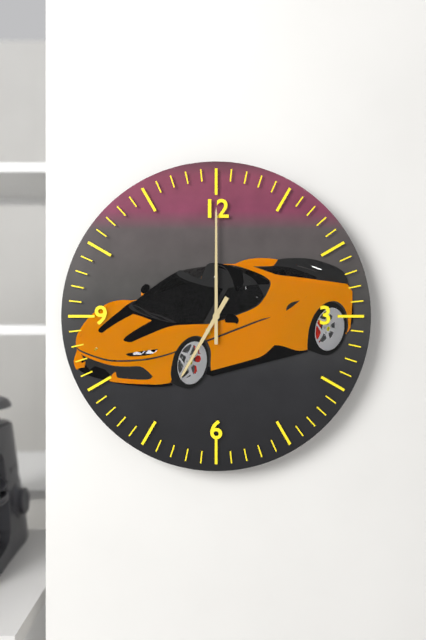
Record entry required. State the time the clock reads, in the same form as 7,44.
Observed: 7,00
